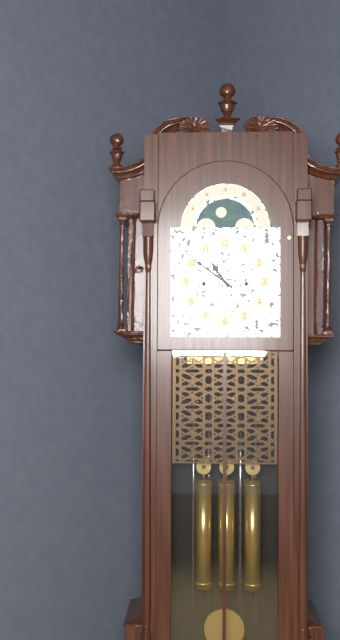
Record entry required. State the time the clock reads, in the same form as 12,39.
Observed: 10,51
